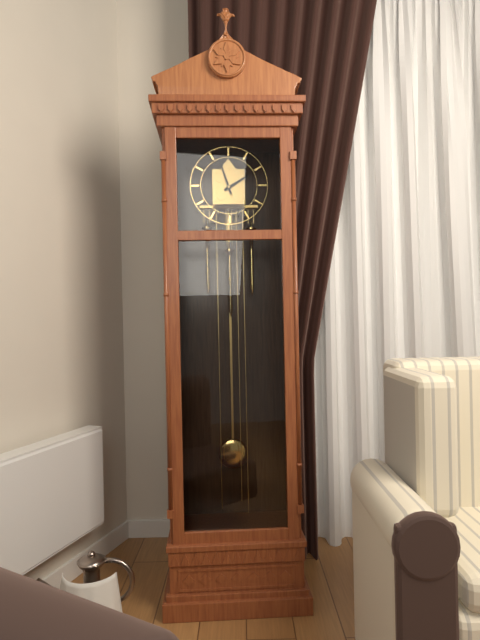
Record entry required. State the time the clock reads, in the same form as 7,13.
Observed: 1,57
